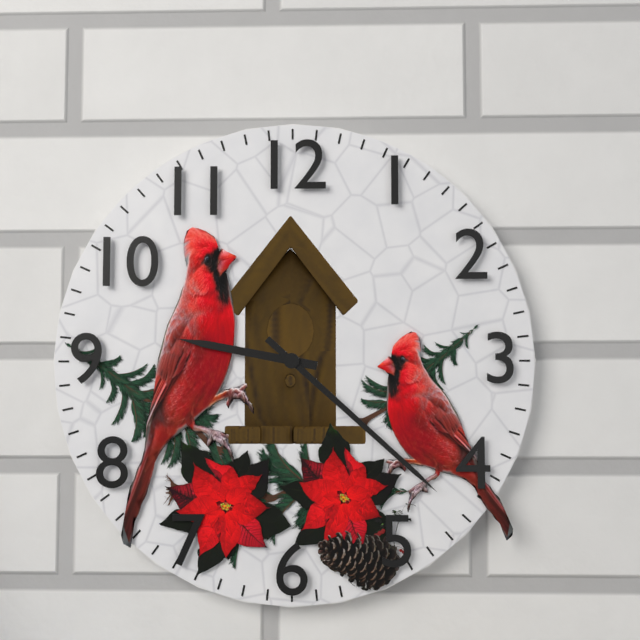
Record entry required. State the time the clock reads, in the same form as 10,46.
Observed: 9,22
